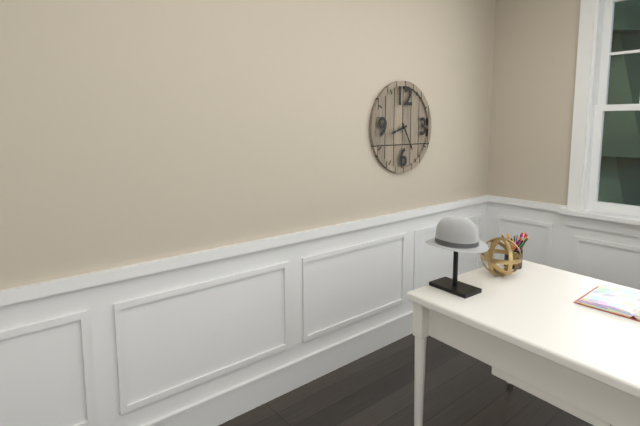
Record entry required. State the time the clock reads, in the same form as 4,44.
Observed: 8,25
